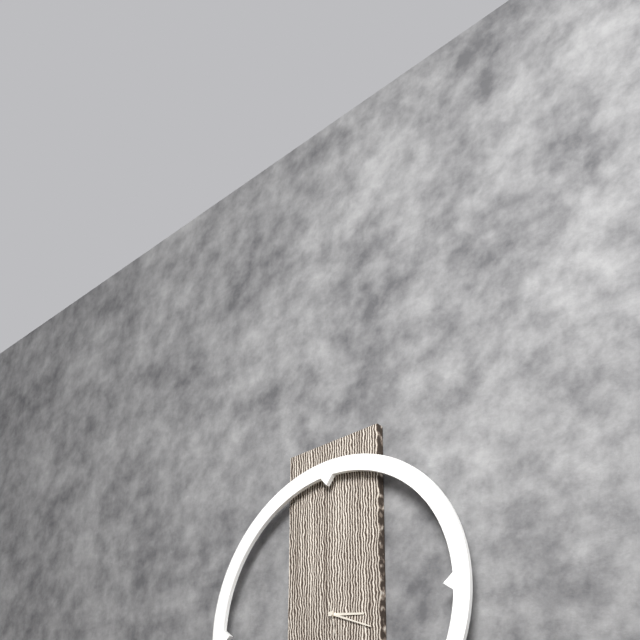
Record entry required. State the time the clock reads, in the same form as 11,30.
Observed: 3,19
